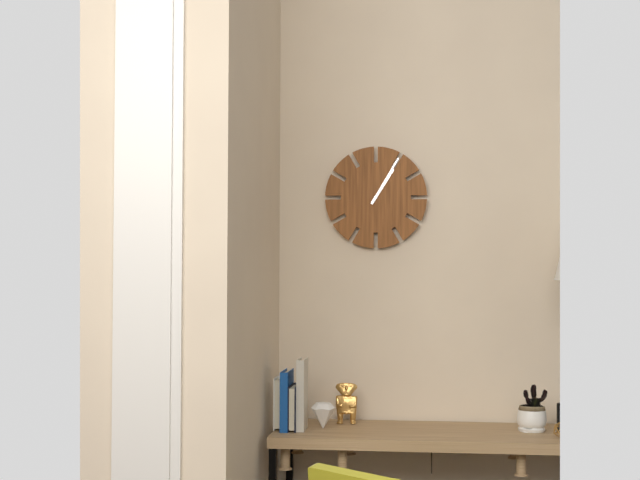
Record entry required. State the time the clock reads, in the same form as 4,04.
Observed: 1,05
